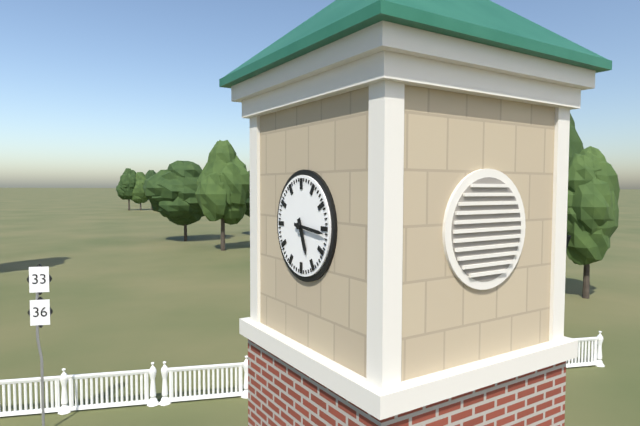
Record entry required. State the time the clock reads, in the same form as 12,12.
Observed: 5,16
